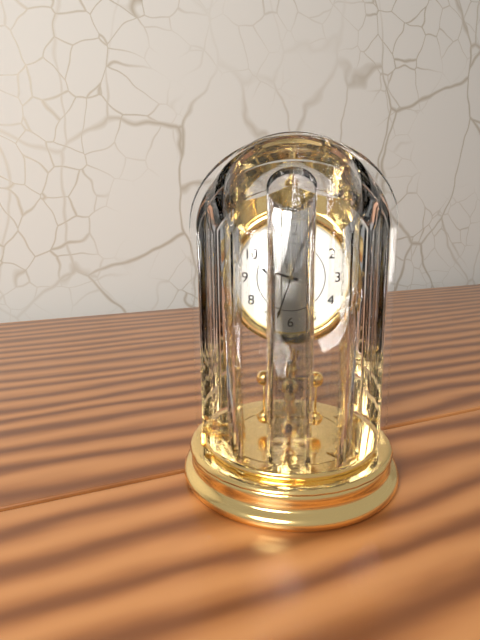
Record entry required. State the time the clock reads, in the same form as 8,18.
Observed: 9,33
